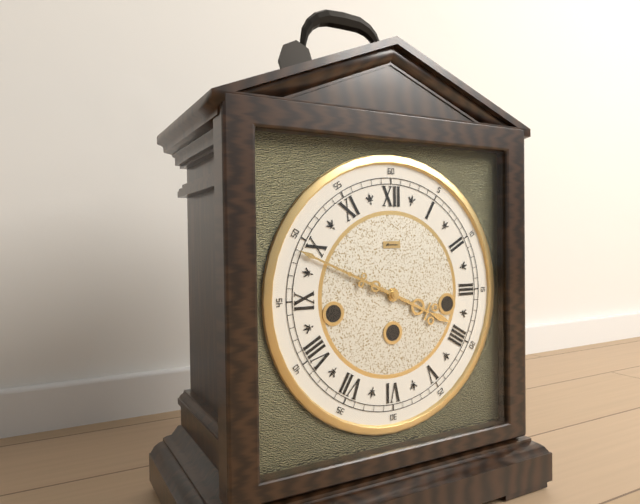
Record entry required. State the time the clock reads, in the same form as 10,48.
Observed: 3,49
